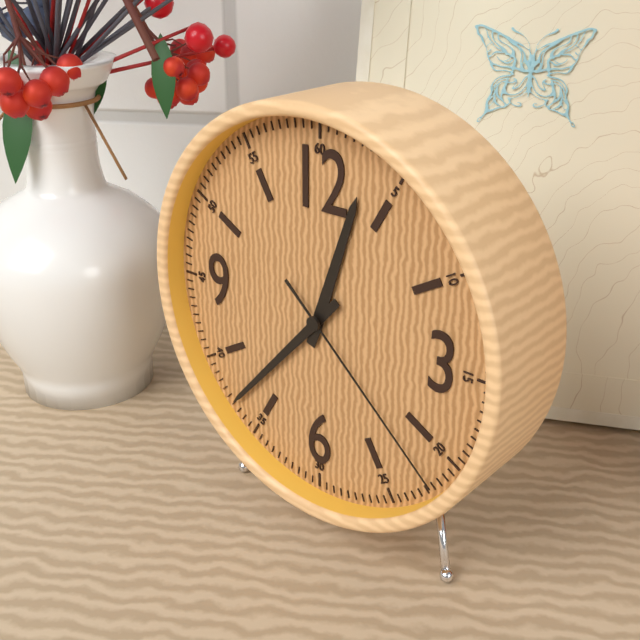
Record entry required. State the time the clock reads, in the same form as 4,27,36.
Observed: 12,37,22
